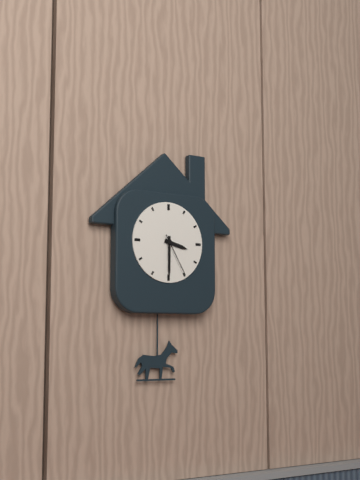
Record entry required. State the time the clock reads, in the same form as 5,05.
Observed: 3,30
